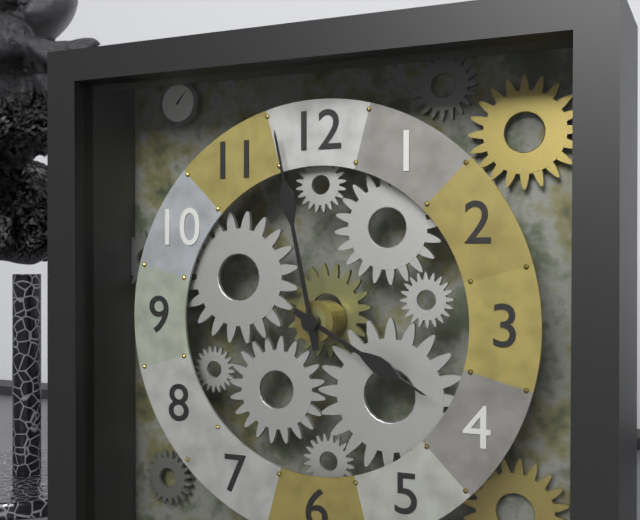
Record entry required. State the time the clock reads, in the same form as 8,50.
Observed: 3,58
